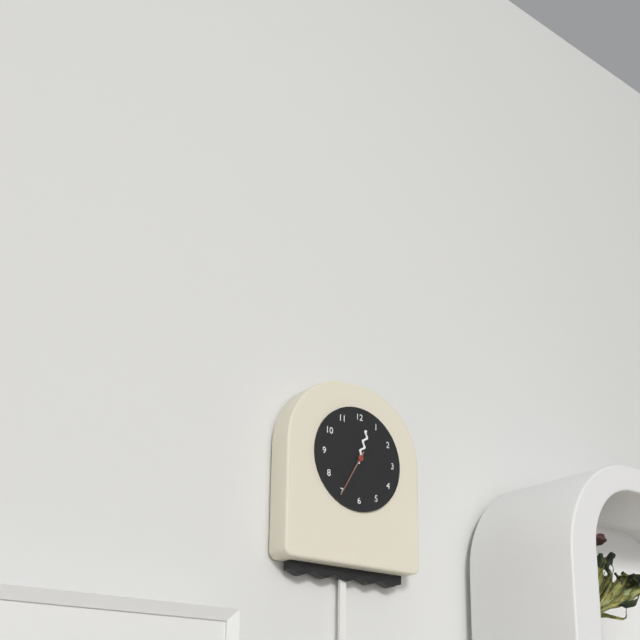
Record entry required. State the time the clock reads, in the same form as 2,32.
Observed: 12,35
